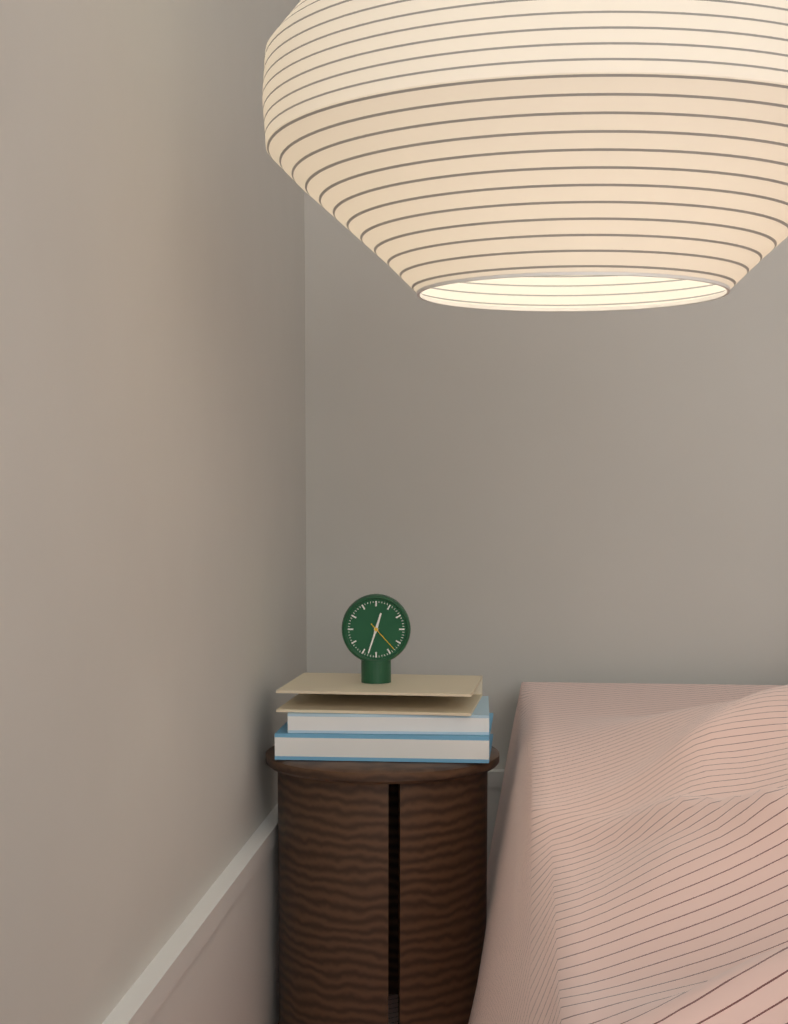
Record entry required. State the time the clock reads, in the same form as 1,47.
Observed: 12,33
